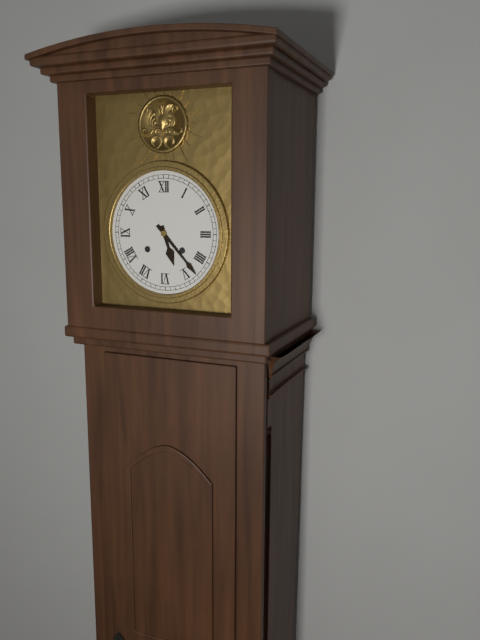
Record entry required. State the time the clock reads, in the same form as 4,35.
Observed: 5,23
